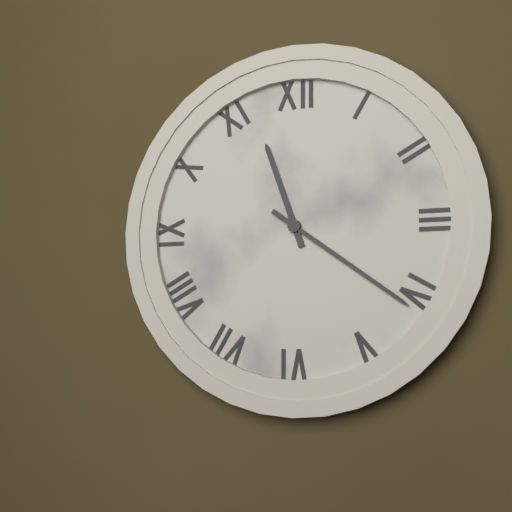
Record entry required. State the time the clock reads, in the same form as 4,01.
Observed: 11,21
